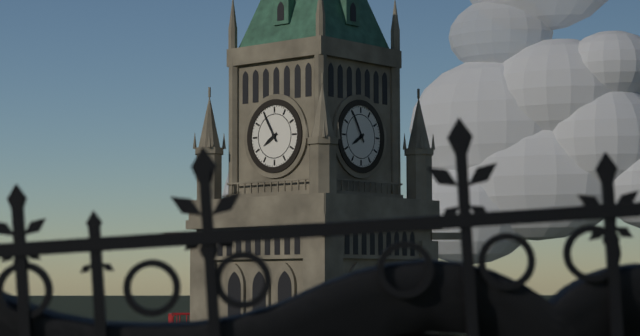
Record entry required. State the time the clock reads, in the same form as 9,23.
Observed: 7,55
